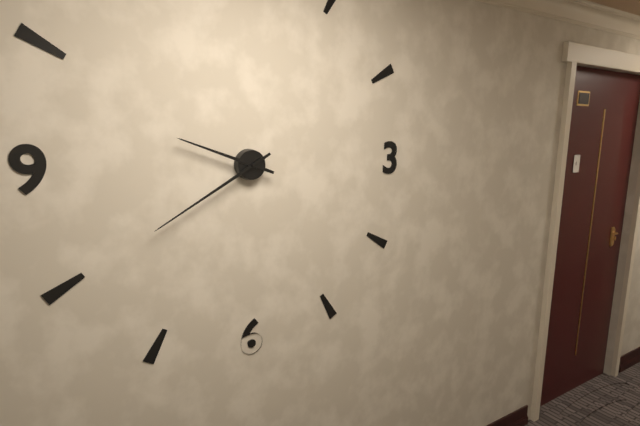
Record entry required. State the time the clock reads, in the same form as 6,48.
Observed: 9,40
